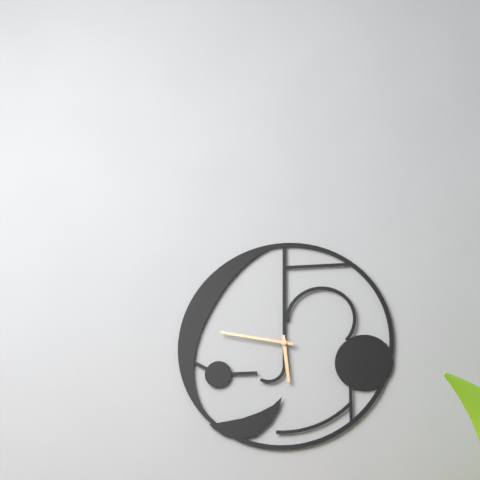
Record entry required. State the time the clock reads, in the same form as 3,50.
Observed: 5,47
